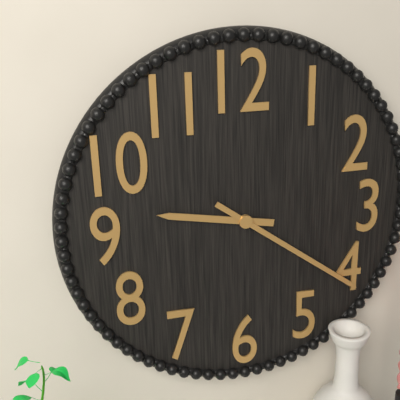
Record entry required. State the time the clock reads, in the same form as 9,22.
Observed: 9,21
